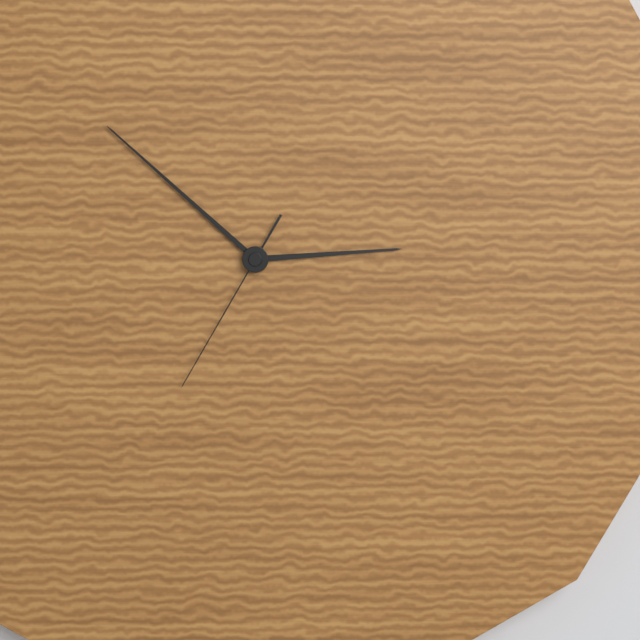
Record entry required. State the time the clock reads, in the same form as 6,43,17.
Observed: 2,52,35
